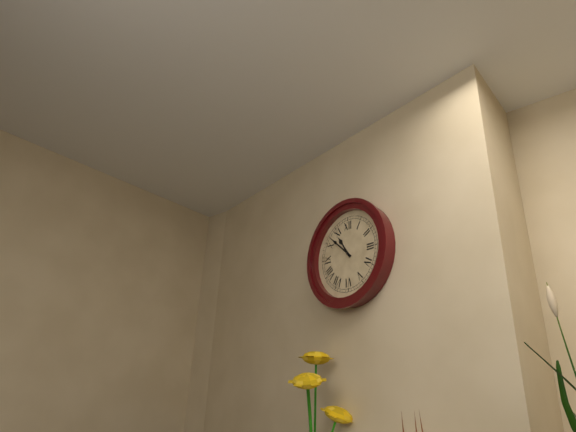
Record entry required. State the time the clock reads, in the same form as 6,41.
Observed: 10,52
